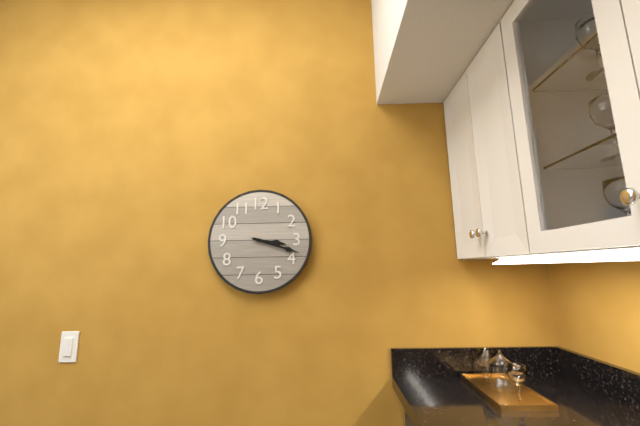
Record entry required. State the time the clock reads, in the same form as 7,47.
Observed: 3,18
